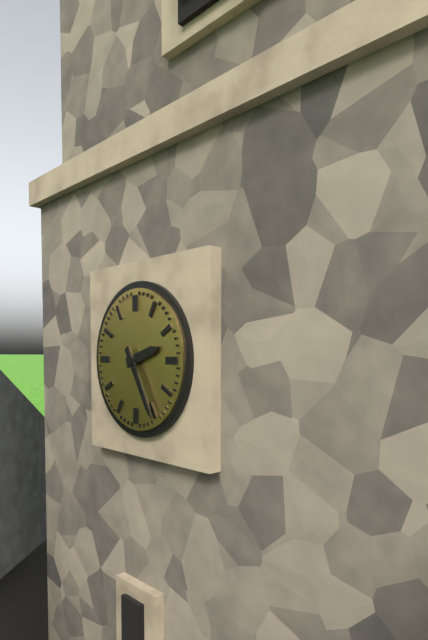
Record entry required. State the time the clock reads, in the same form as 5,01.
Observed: 2,25
